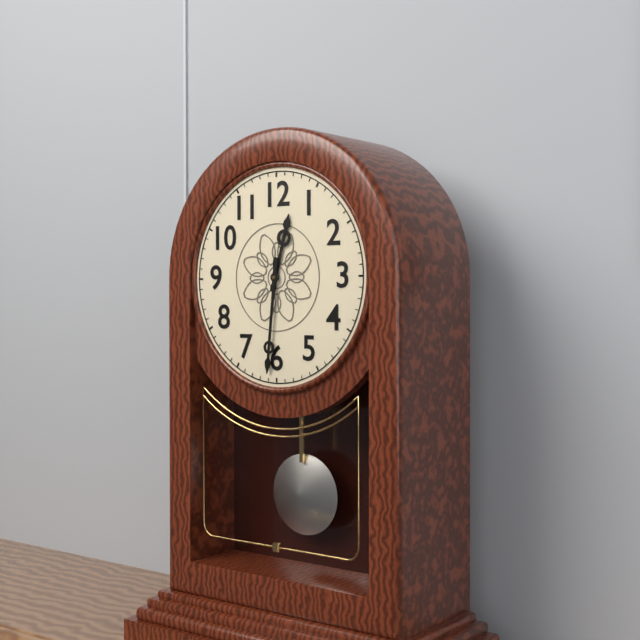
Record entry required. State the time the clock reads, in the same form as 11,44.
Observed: 12,31
